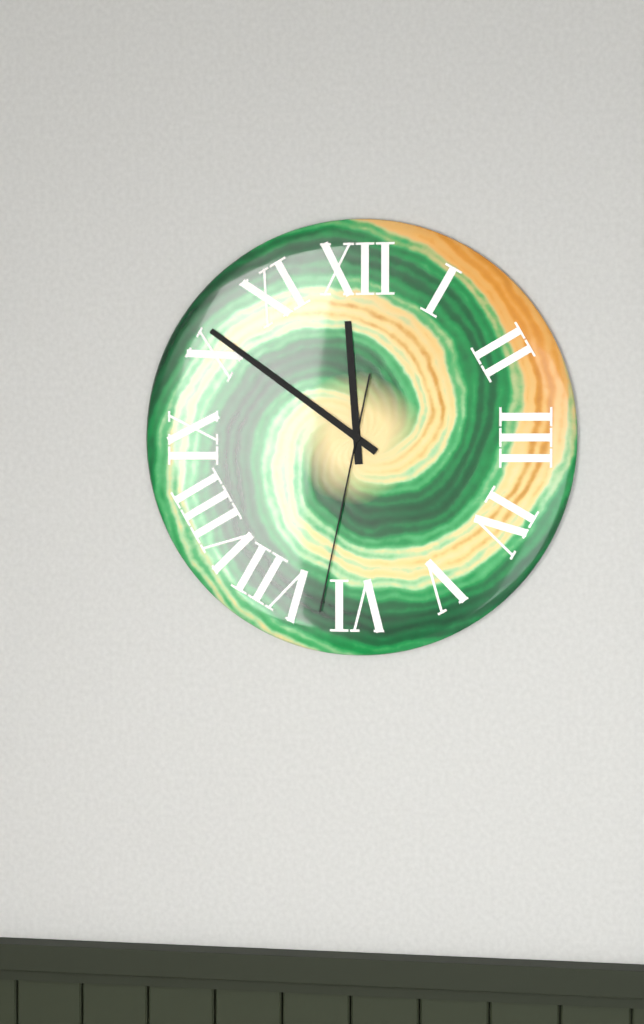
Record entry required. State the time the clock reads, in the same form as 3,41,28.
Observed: 11,51,32
